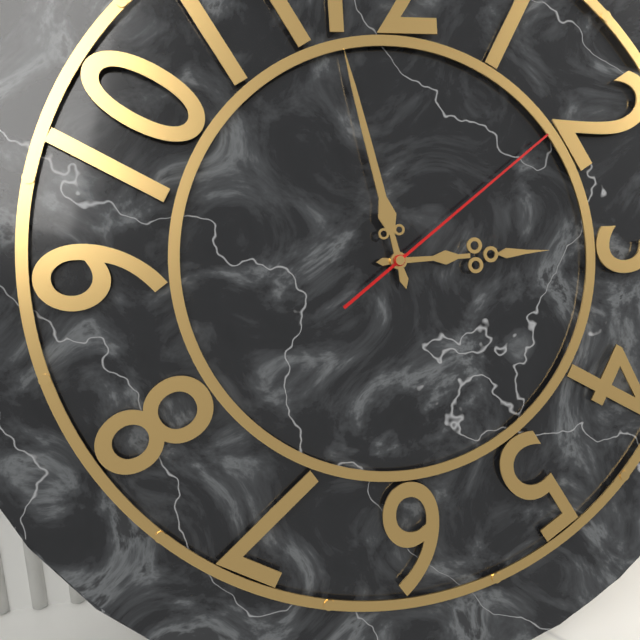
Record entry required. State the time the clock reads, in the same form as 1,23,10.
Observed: 2,58,09
